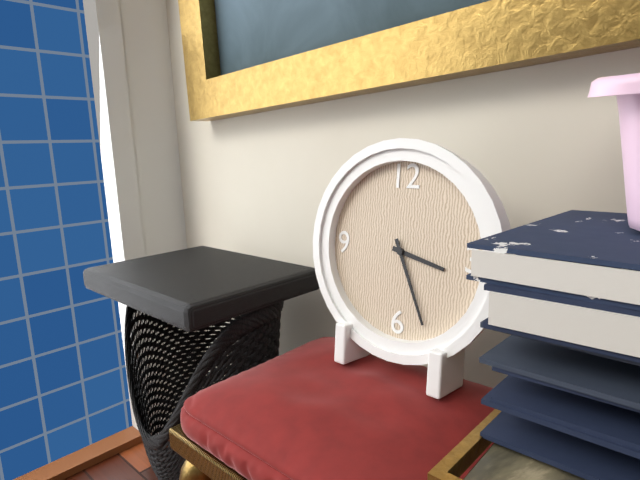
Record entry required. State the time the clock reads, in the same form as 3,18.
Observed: 3,26
